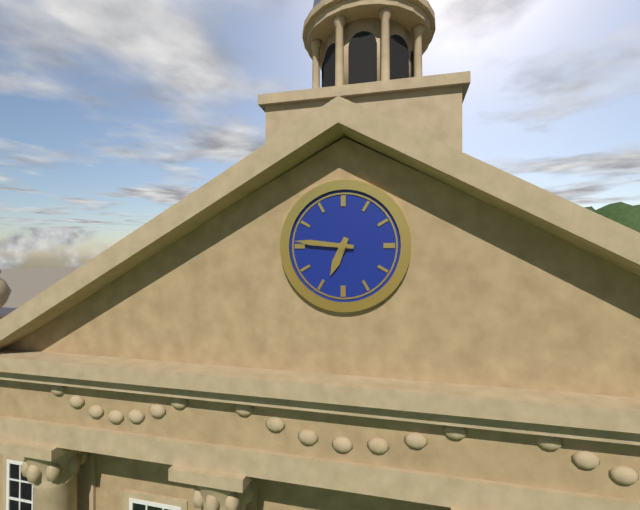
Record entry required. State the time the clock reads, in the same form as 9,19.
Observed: 6,46
